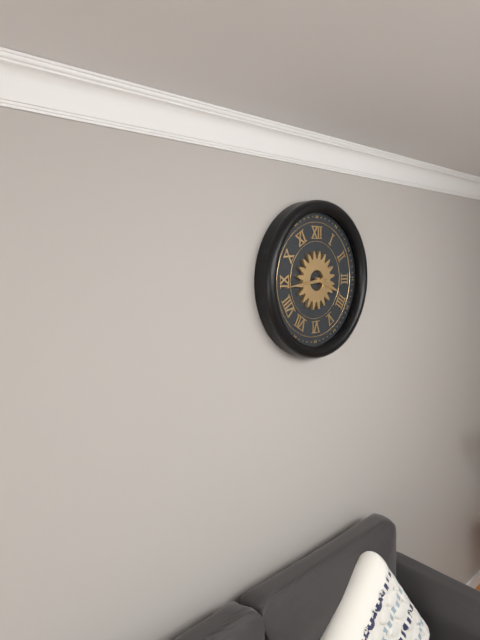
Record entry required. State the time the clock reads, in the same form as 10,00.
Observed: 3,44
